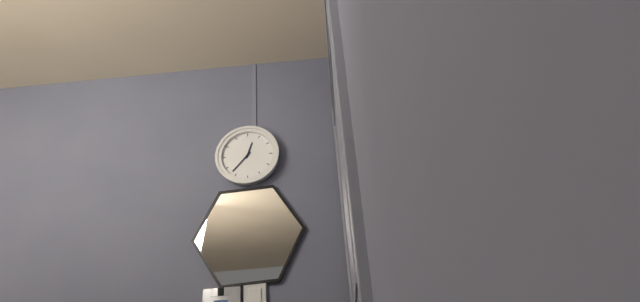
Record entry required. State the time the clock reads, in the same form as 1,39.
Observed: 12,37
